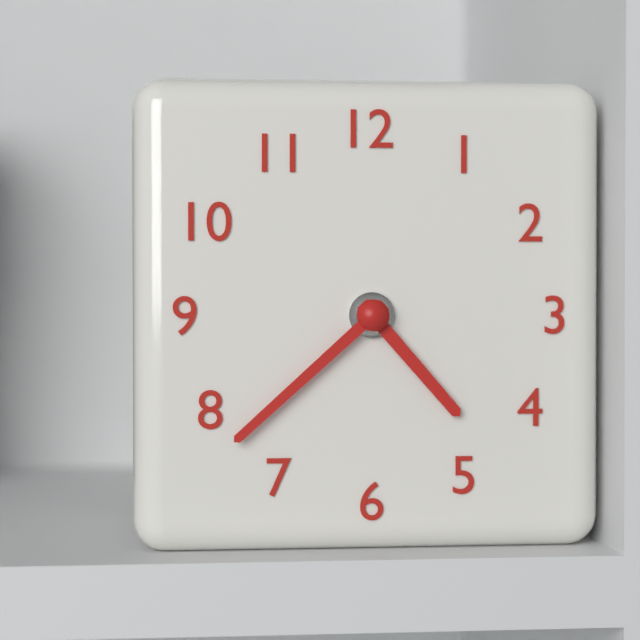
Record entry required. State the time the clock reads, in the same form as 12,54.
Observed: 4,38
